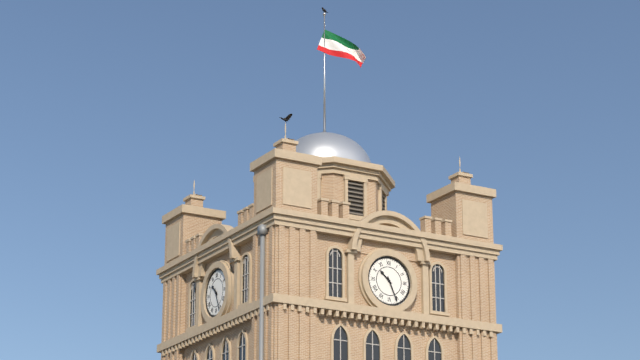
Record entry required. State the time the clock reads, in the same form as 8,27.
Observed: 10,26
